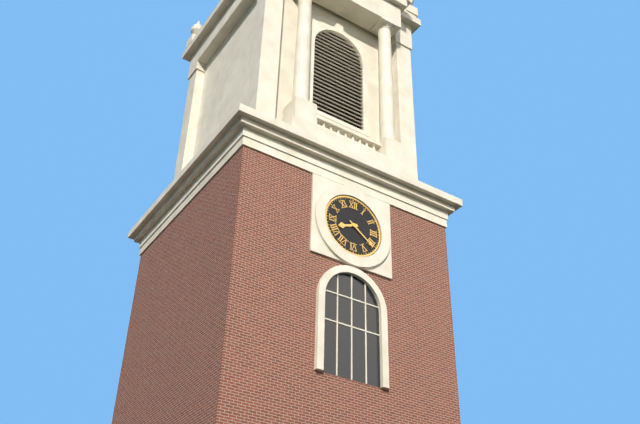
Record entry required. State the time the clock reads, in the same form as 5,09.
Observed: 8,21
